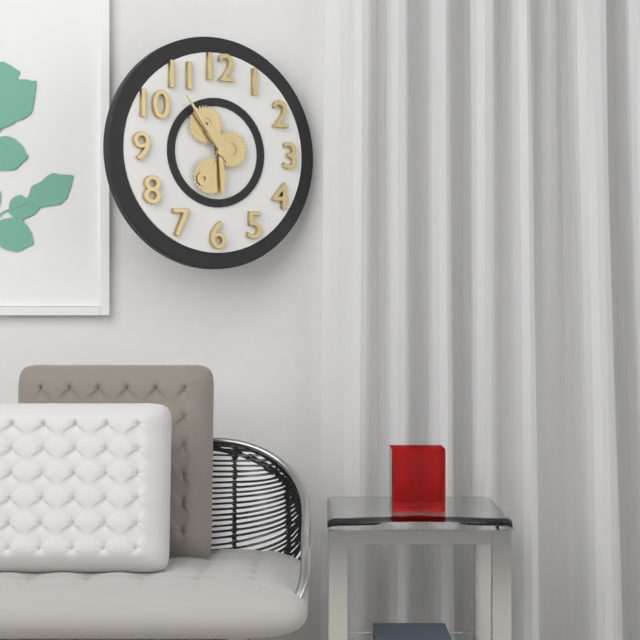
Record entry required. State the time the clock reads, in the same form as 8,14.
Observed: 5,54
